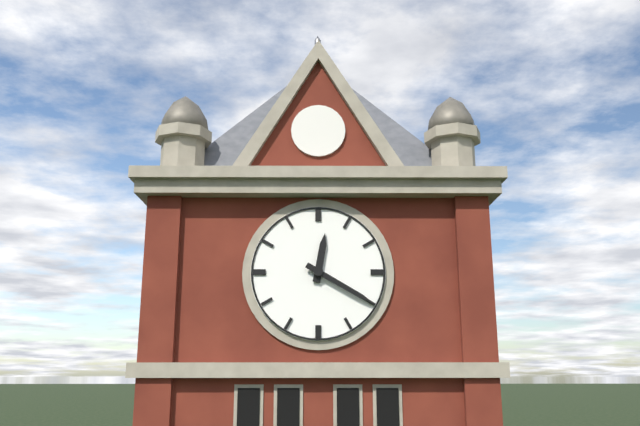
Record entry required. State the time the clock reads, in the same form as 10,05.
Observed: 12,20
